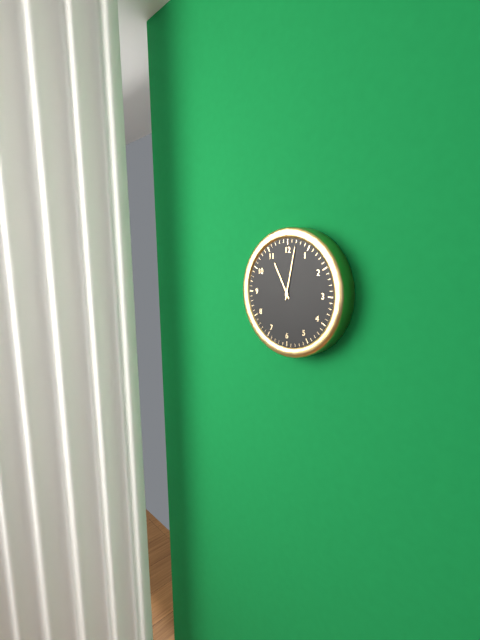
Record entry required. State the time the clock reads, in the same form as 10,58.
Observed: 11,02
